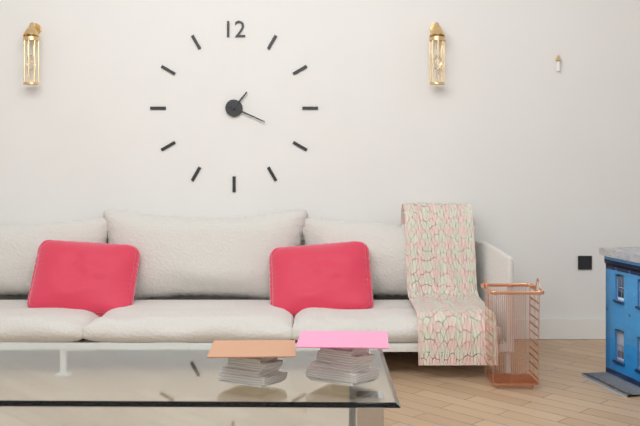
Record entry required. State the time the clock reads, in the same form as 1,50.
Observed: 1,19
